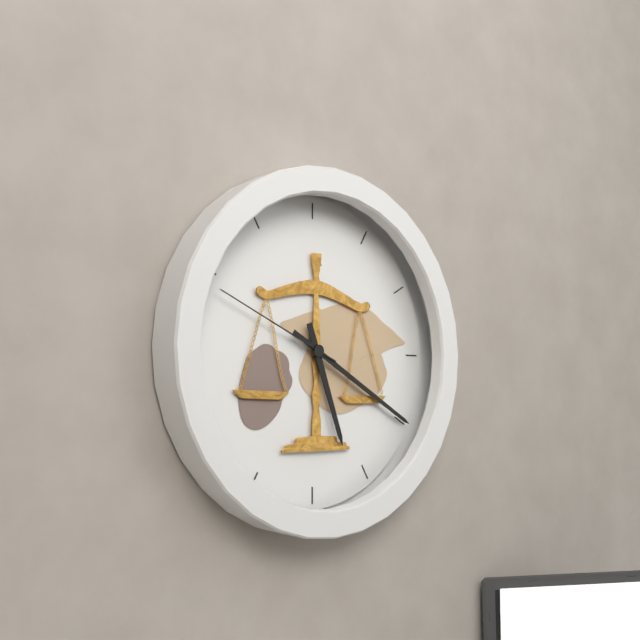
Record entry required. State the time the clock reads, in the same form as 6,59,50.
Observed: 5,20,49
